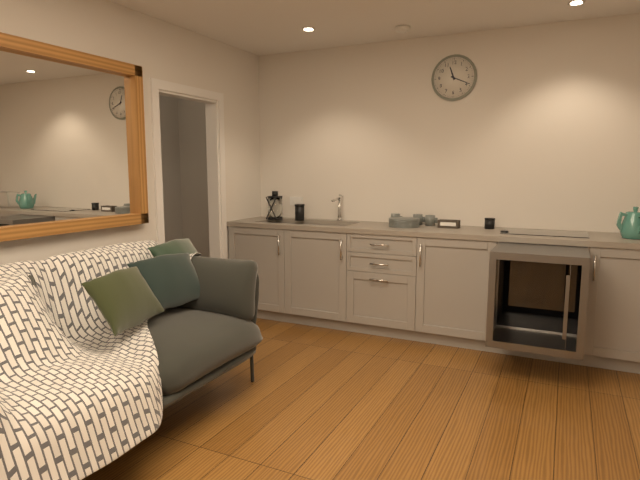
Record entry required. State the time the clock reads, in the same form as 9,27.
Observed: 11,19
